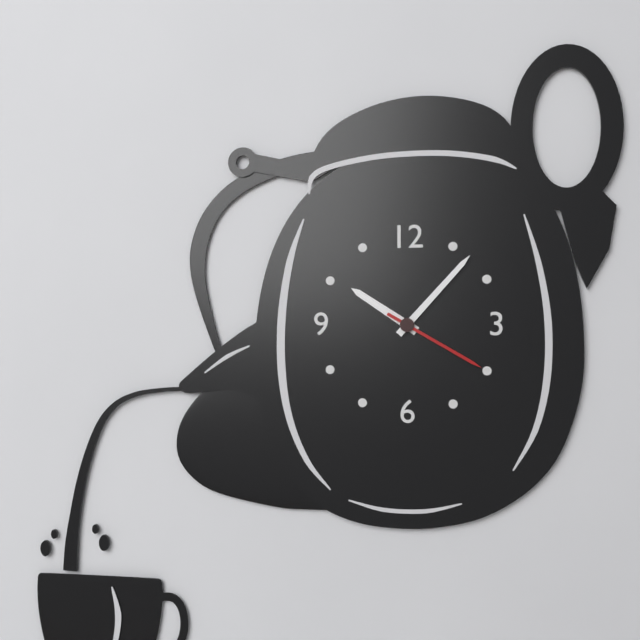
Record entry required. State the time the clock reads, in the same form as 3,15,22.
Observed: 10,07,20
